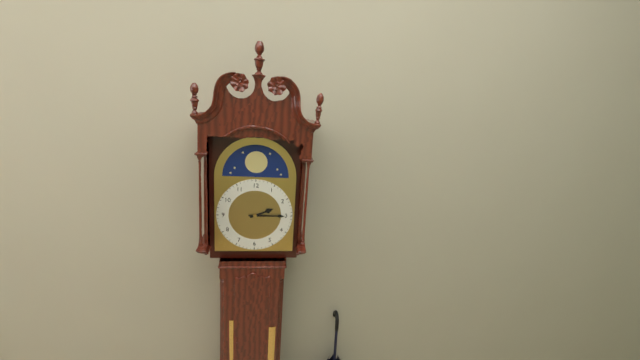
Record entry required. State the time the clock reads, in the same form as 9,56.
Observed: 2,15
